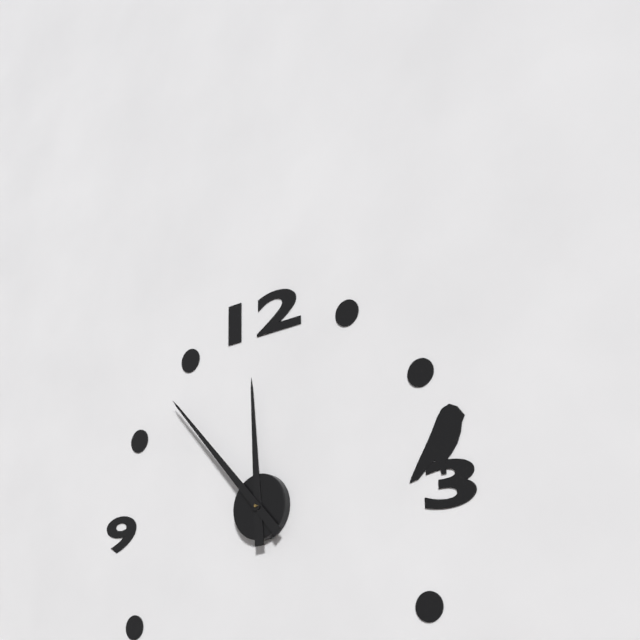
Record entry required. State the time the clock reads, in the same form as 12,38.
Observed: 11,53
